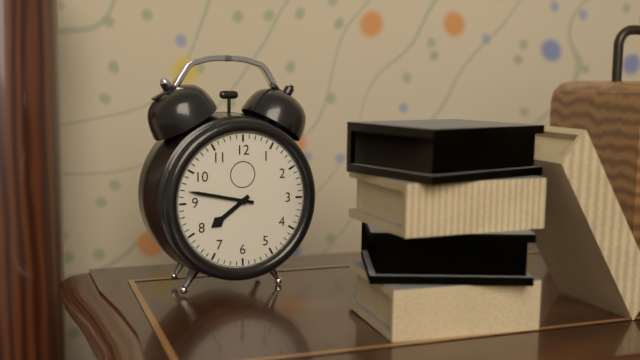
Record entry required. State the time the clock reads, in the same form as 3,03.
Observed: 7,47
